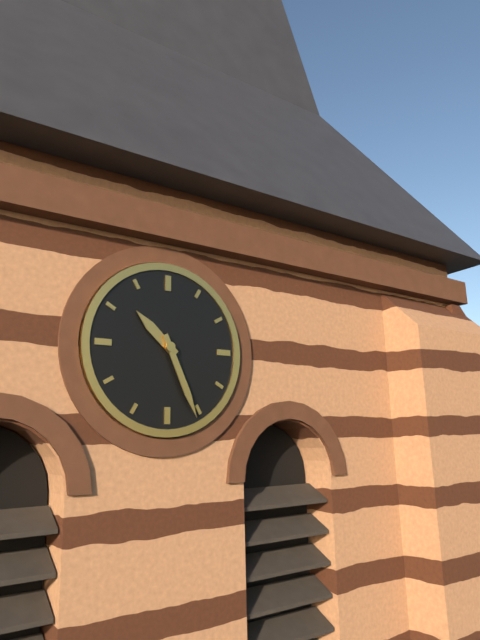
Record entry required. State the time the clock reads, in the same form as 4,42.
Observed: 10,26
